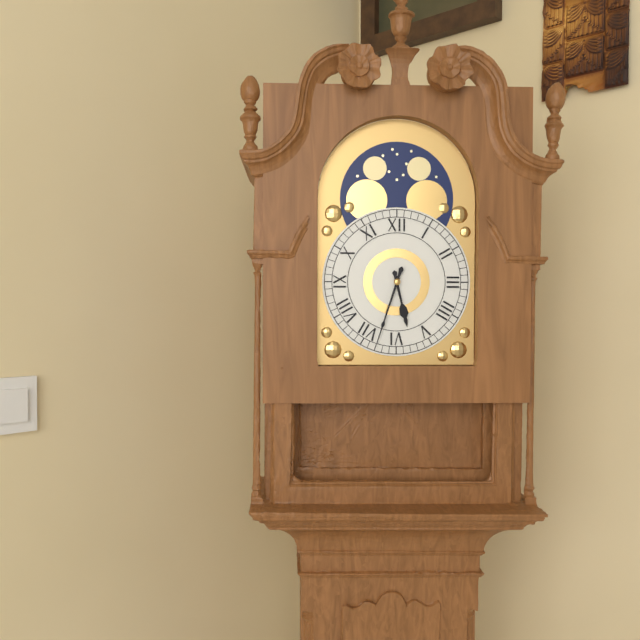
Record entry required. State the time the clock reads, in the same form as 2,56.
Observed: 5,33
